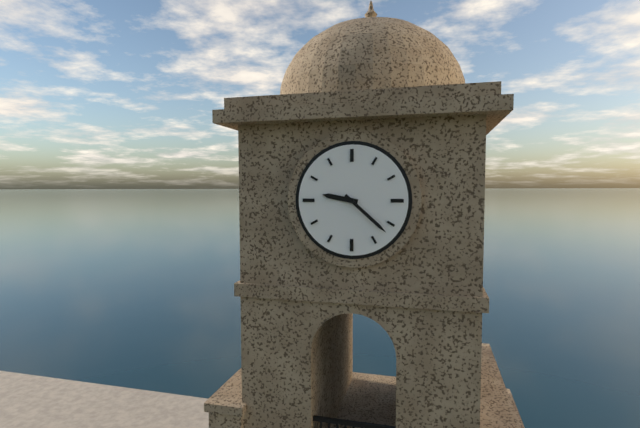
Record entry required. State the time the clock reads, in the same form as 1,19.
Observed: 9,22
